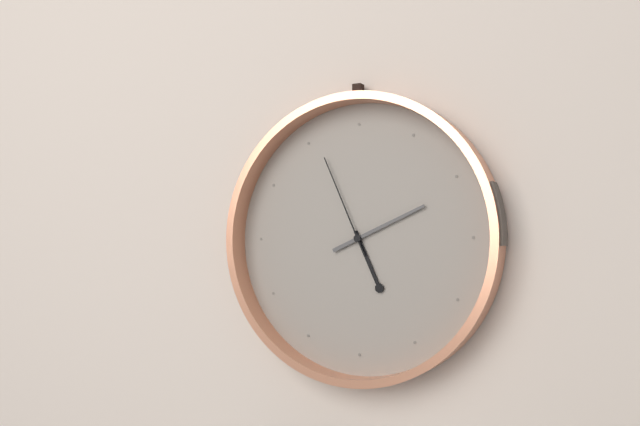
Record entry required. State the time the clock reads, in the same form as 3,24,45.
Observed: 5,11,56
